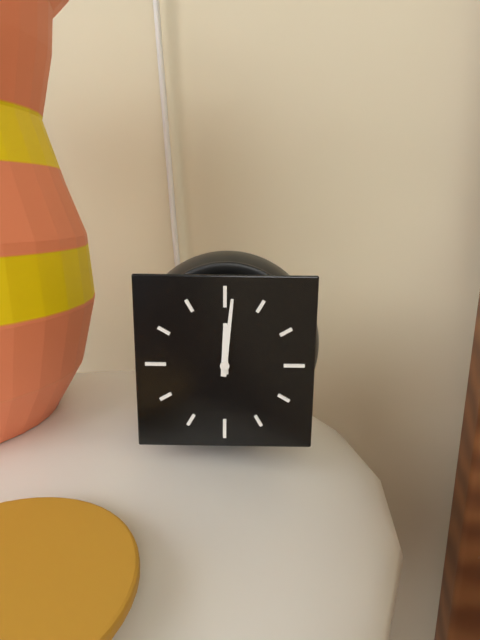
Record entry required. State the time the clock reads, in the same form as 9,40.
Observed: 12,01
